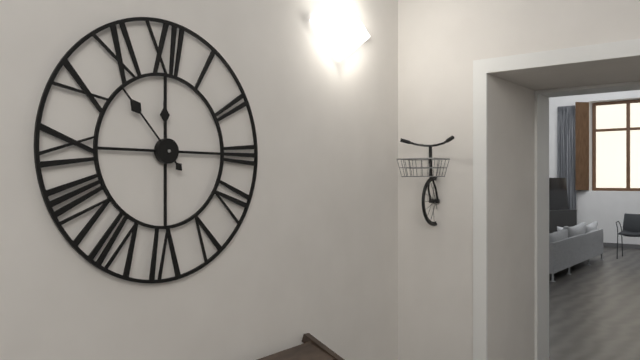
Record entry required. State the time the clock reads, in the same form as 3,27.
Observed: 11,53
